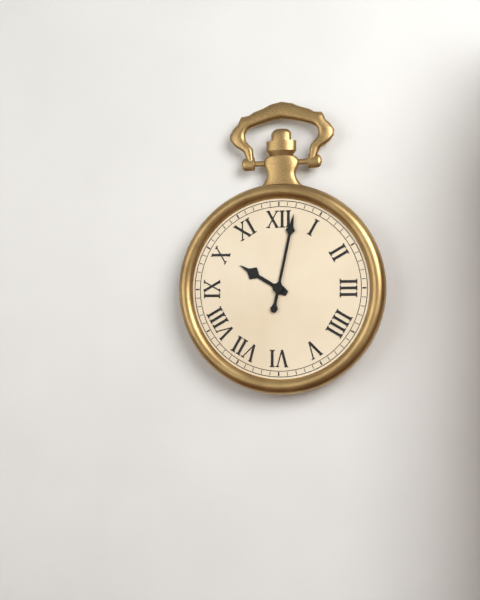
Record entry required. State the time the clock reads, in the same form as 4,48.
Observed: 10,02
